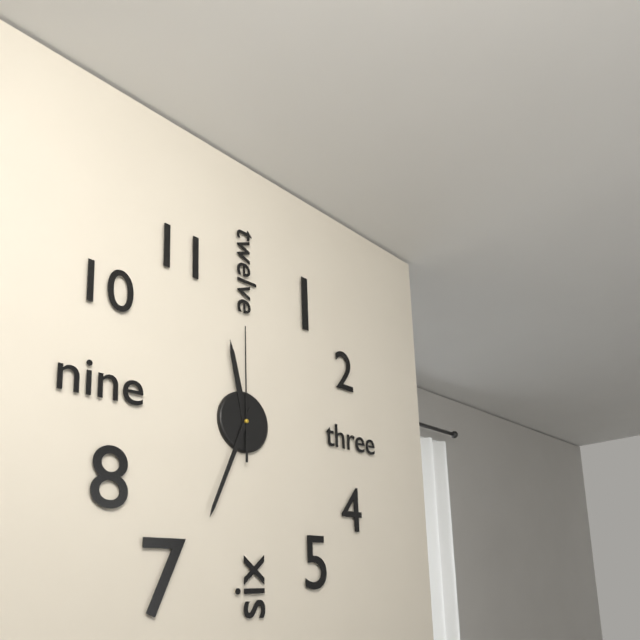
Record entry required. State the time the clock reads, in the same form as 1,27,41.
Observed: 11,34,00
